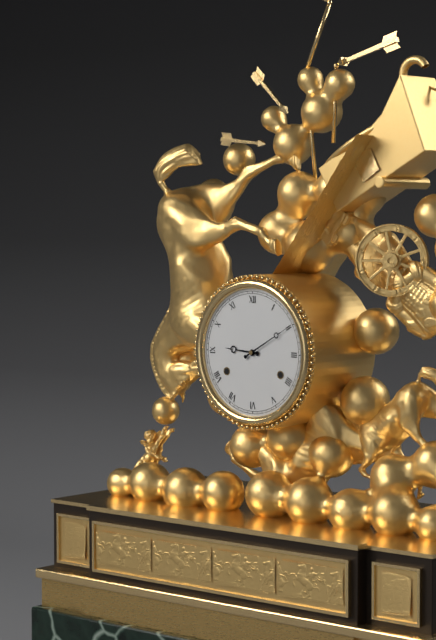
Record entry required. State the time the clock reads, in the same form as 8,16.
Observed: 9,10
